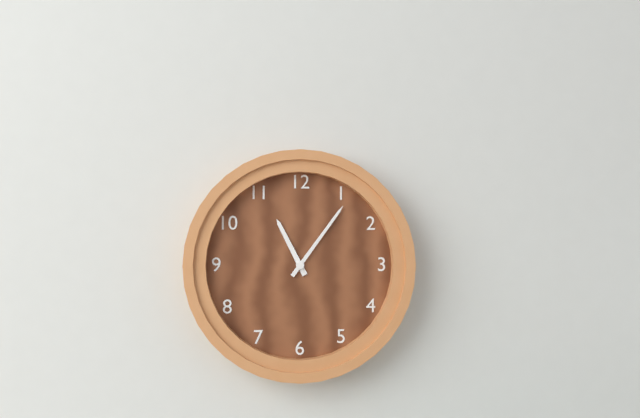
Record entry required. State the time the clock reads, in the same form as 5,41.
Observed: 11,06
